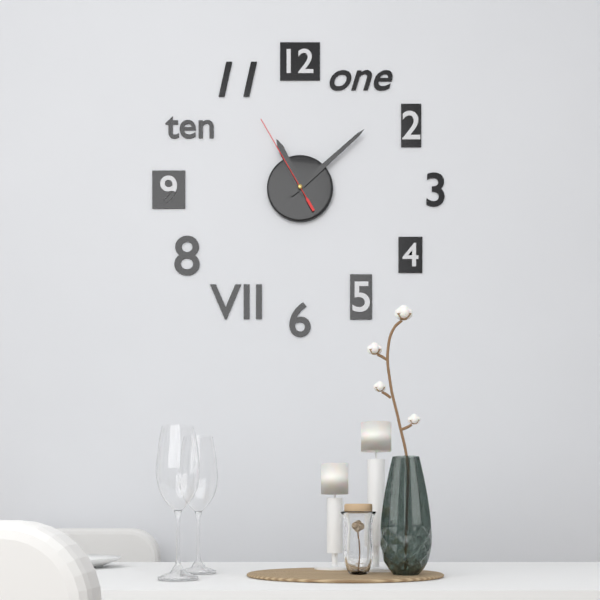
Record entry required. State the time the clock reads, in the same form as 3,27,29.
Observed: 11,08,55
